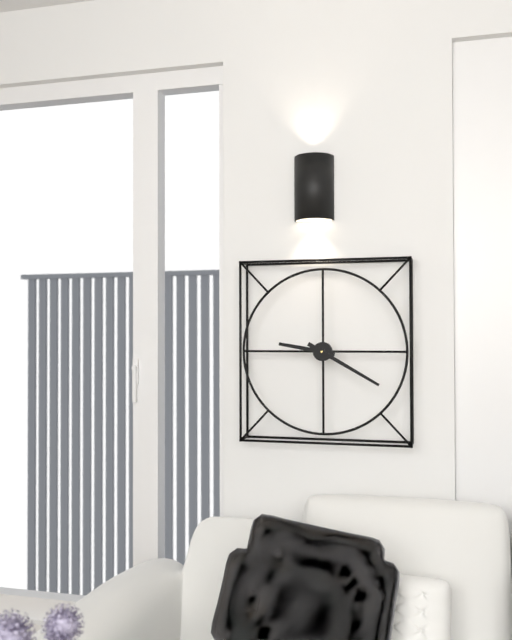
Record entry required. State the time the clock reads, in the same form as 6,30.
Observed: 9,20
